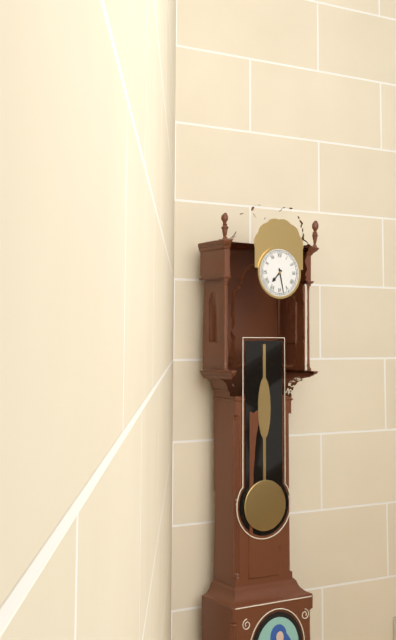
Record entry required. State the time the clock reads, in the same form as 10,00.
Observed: 7,28
